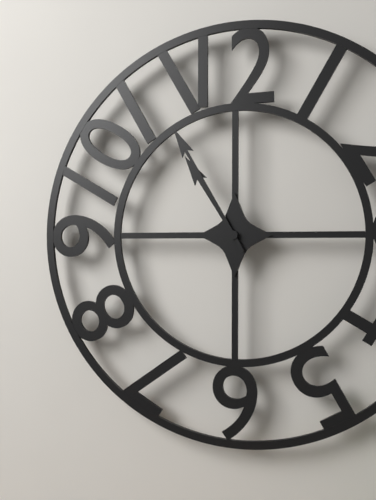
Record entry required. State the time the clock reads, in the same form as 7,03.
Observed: 10,55
